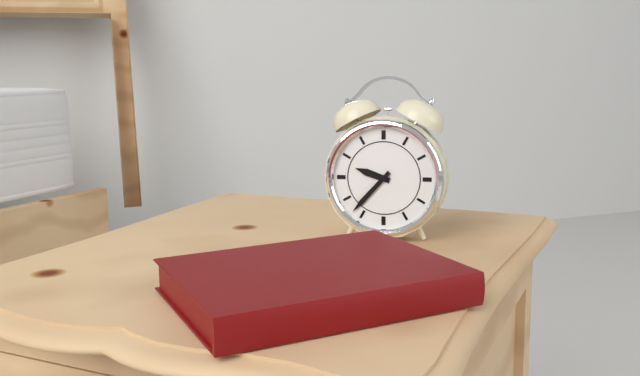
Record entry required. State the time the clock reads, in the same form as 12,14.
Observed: 9,37
